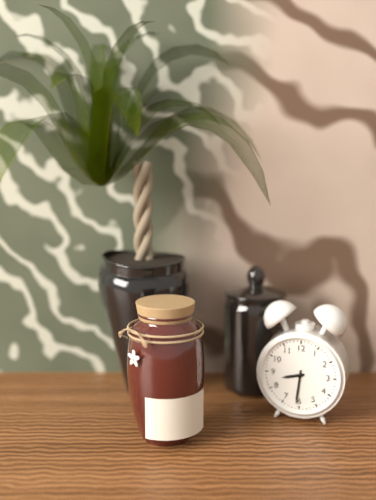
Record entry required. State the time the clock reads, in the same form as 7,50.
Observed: 8,31
